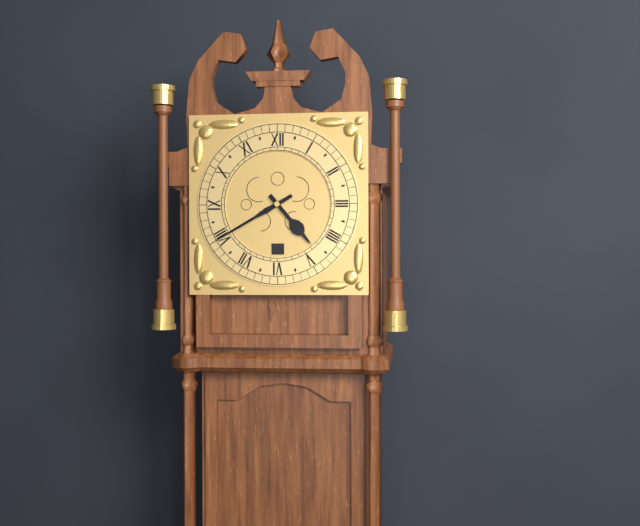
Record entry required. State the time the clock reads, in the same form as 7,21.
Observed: 4,40
